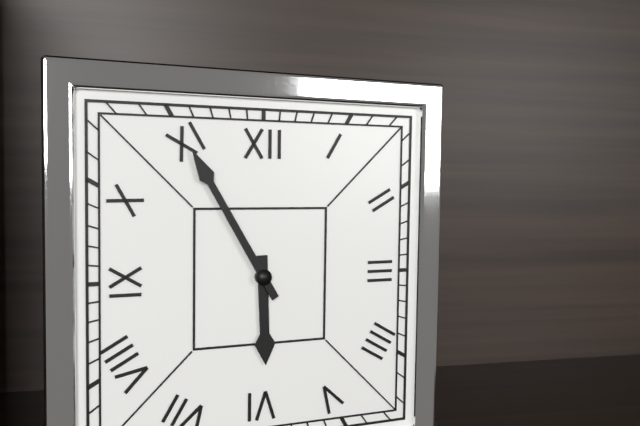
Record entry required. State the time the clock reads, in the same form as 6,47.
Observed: 5,55
